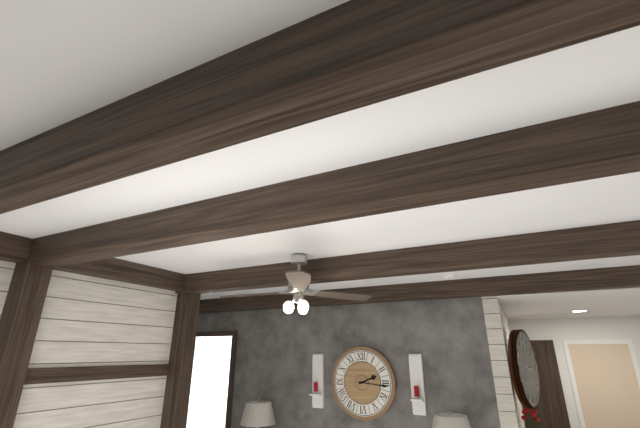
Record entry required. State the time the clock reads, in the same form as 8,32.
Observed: 2,16
